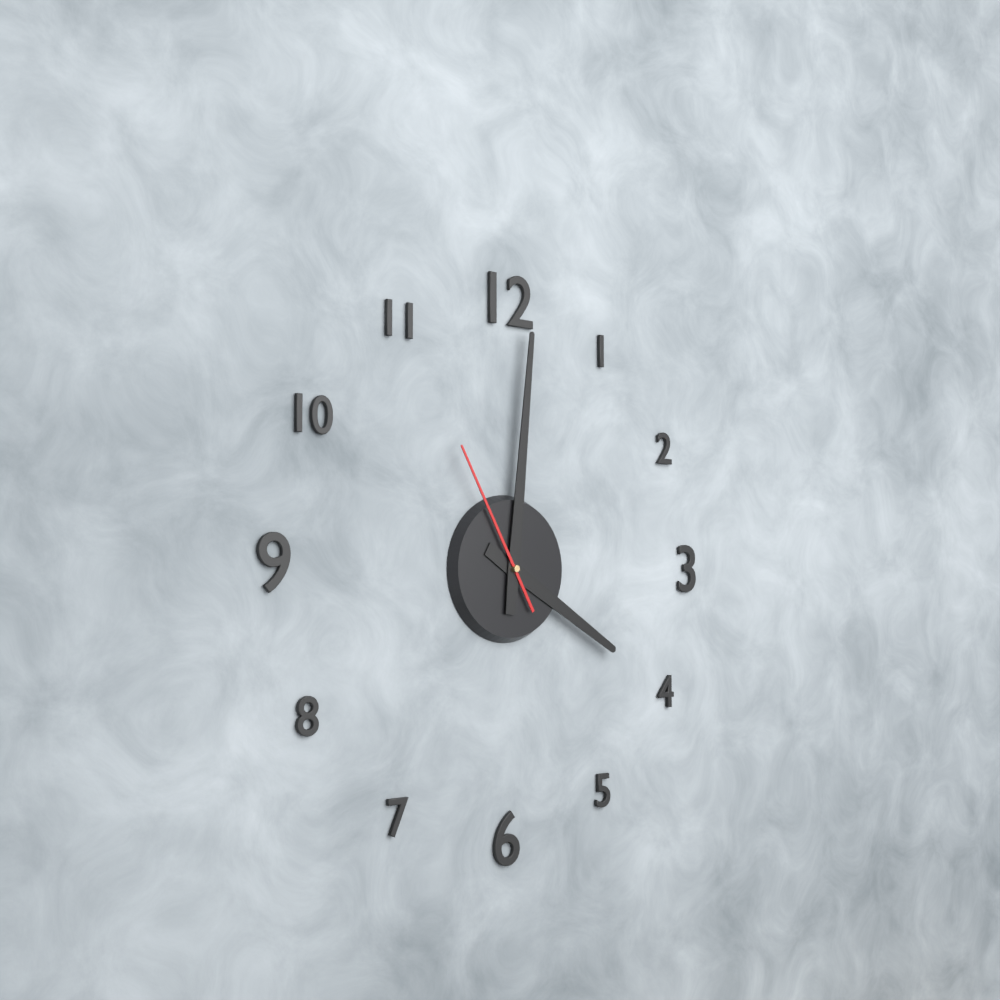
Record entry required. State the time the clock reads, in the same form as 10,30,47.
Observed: 4,01,55
